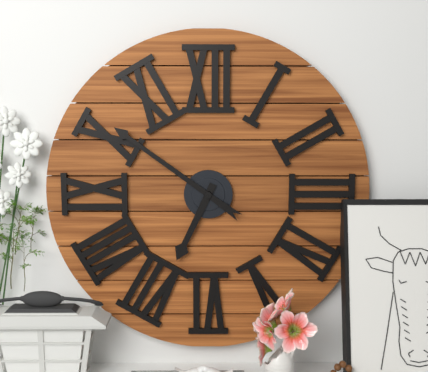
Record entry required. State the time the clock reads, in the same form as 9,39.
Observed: 6,51
